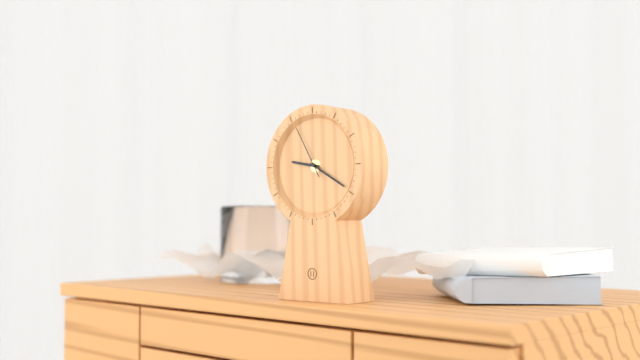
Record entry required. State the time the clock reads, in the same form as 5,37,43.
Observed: 9,20,55
